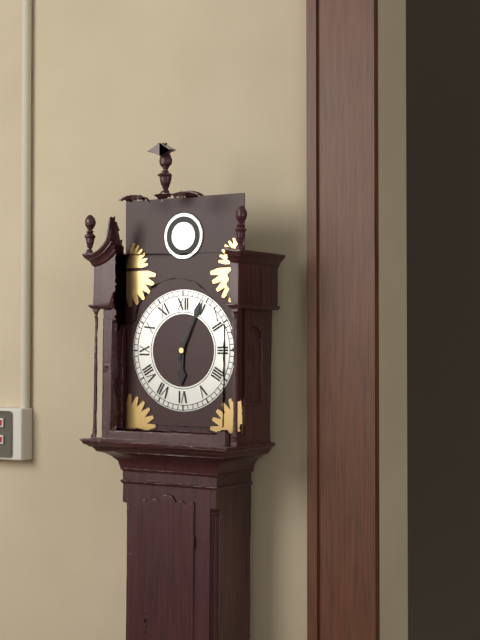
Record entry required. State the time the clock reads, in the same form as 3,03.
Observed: 6,04
